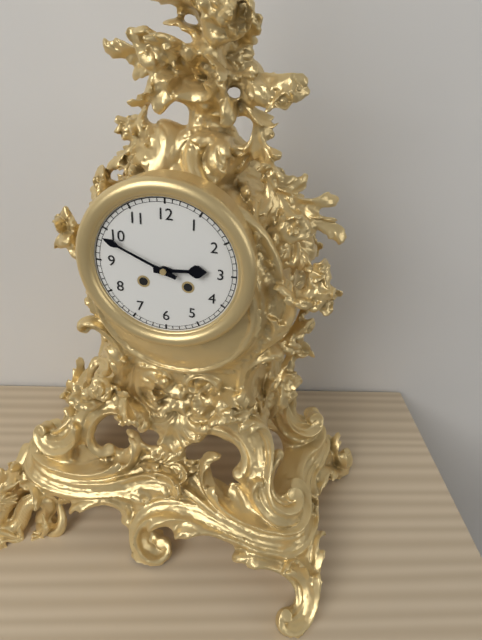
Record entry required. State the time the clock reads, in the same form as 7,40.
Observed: 2,49
